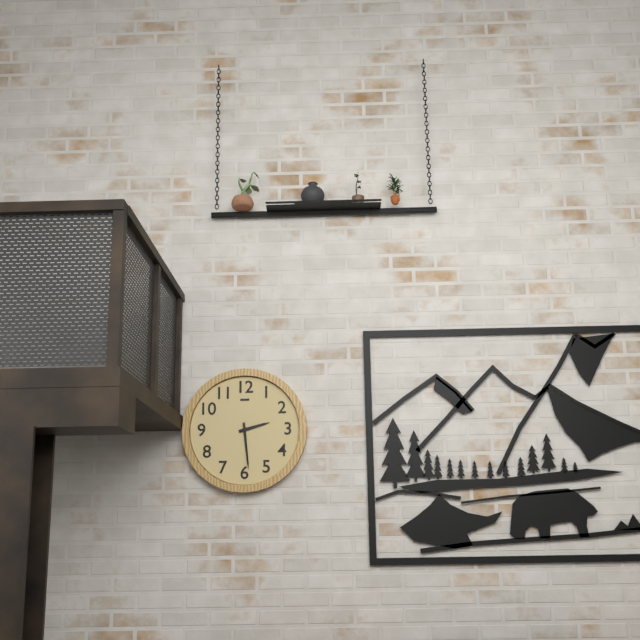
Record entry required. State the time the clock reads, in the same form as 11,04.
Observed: 2,29
